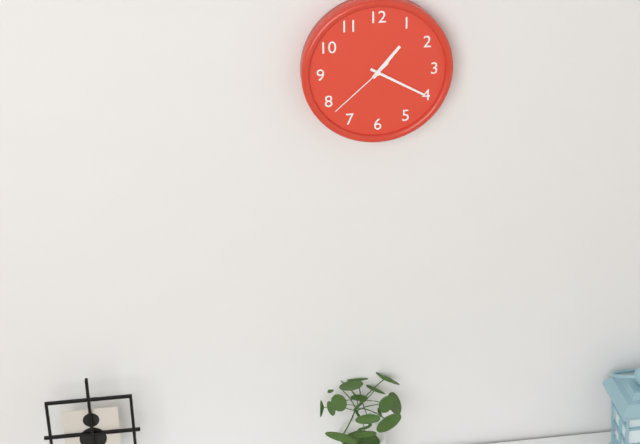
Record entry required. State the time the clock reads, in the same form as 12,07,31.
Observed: 1,20,38
